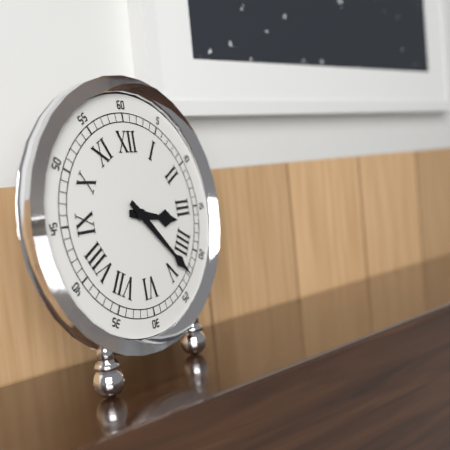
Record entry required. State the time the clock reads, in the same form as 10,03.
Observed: 3,23
